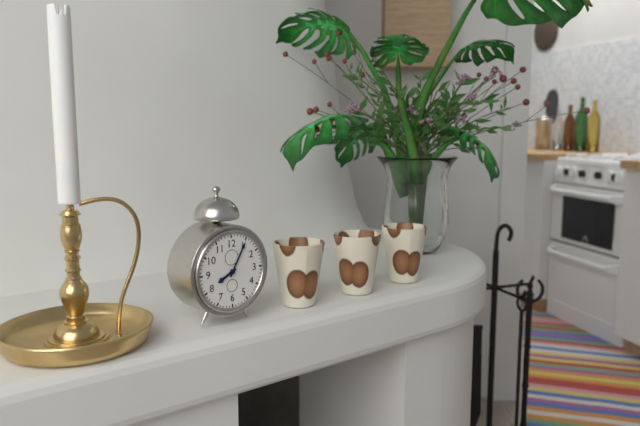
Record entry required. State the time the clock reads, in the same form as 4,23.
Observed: 8,05
